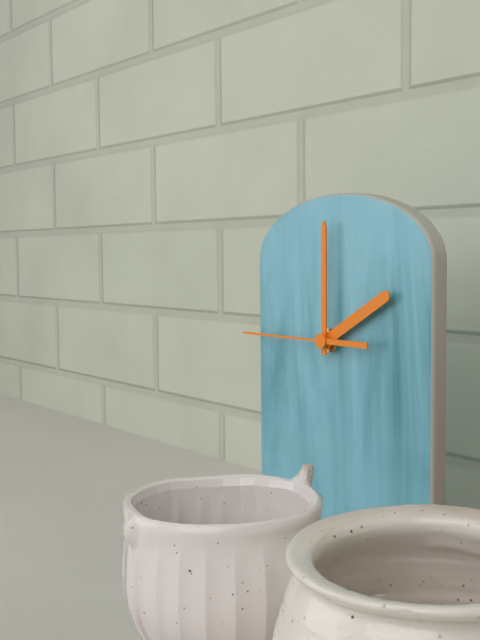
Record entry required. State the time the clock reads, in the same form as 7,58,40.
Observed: 2,00,45
